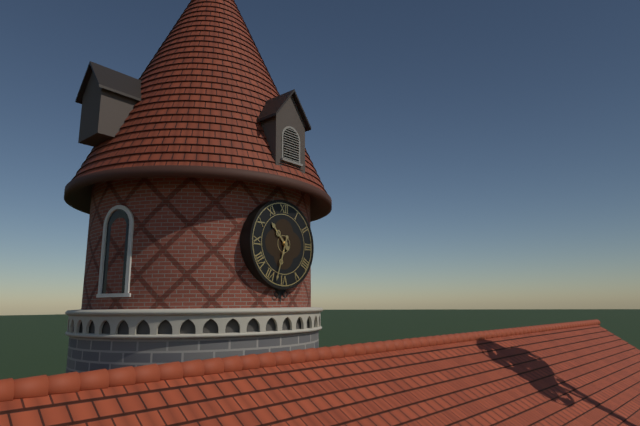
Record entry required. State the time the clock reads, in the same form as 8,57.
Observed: 10,33
